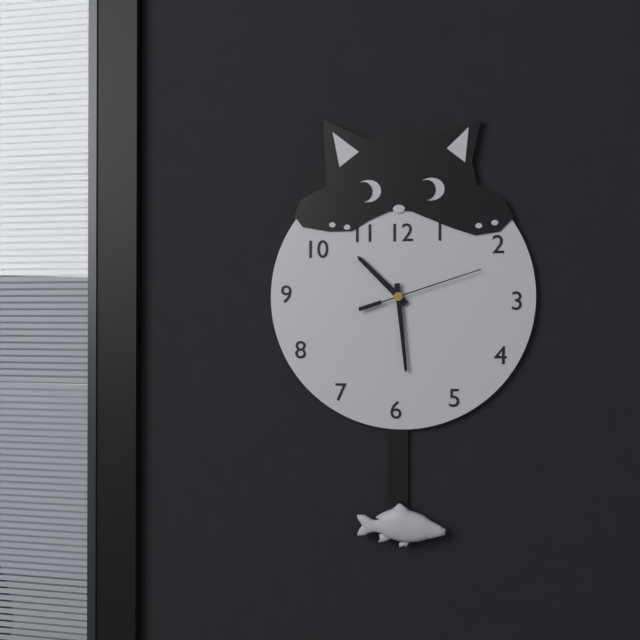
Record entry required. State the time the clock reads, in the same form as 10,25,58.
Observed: 10,29,12
